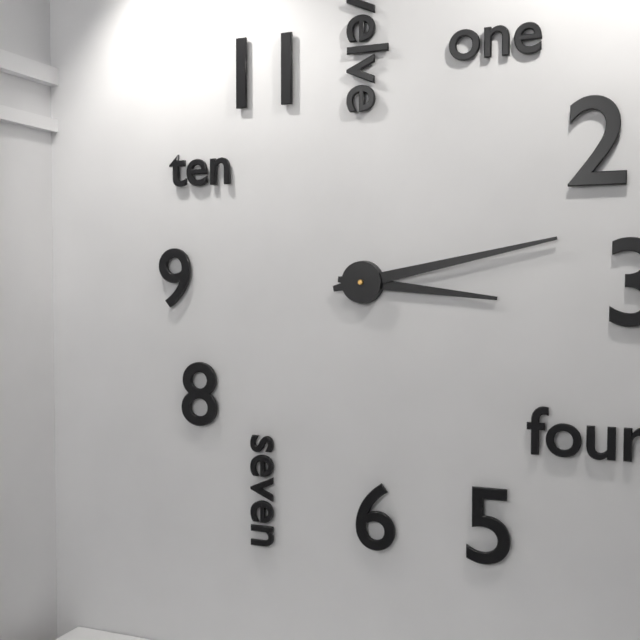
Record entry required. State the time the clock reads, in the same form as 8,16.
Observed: 3,13
